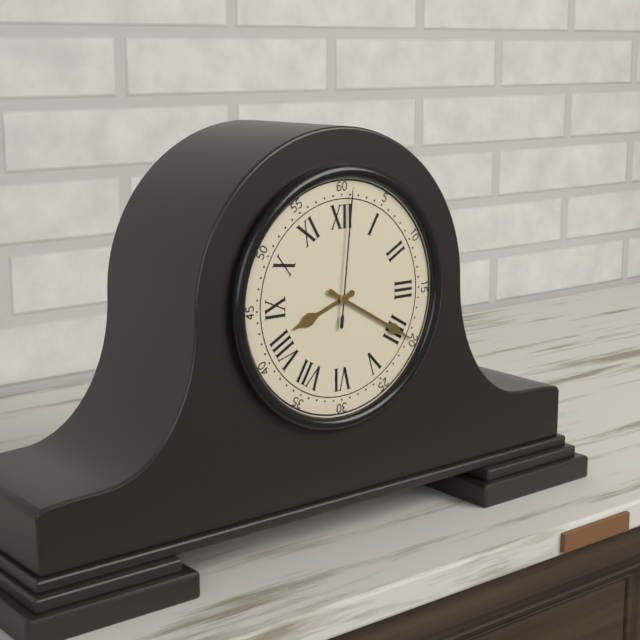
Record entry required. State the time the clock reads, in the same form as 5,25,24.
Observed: 8,20,01
